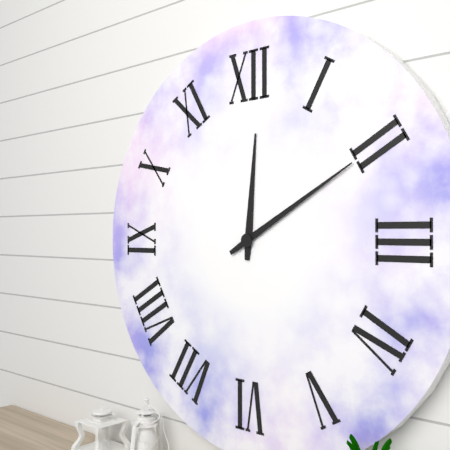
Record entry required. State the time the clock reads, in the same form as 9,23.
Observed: 12,10
